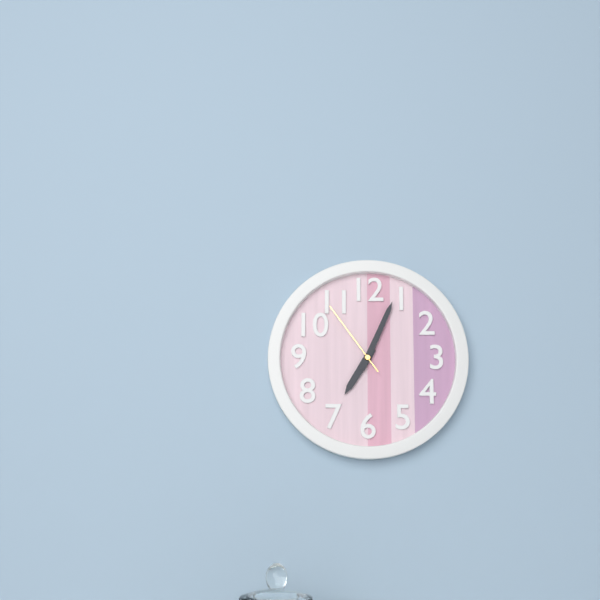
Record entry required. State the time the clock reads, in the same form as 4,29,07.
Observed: 7,04,54
